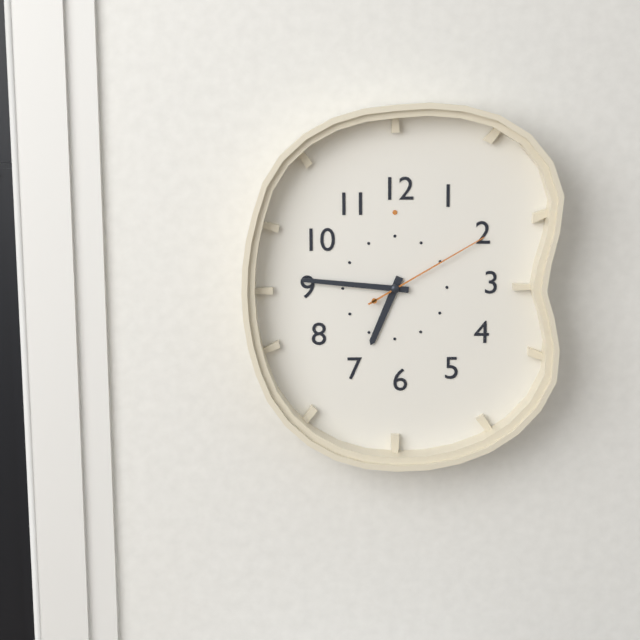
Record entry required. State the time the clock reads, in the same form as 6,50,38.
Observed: 6,46,10
